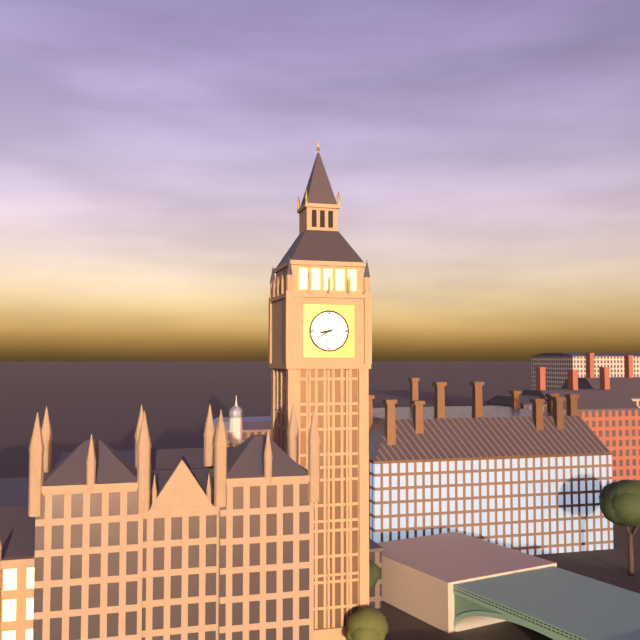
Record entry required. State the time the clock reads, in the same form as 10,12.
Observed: 8,40
